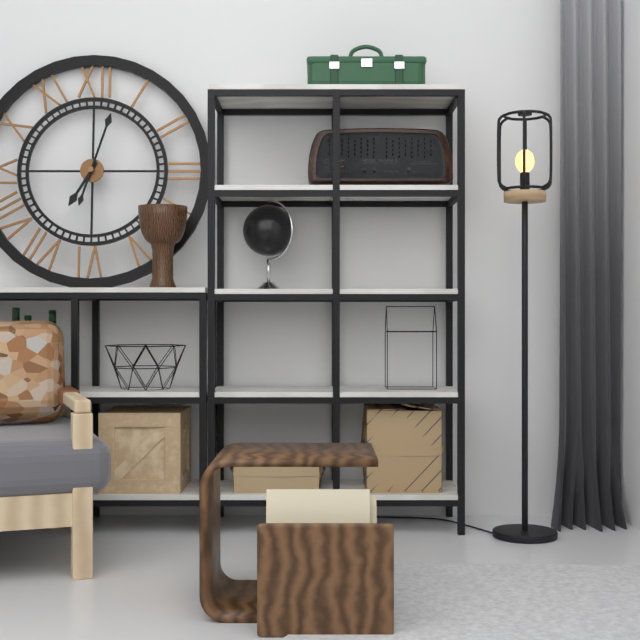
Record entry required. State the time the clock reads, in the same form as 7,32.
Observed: 7,03
